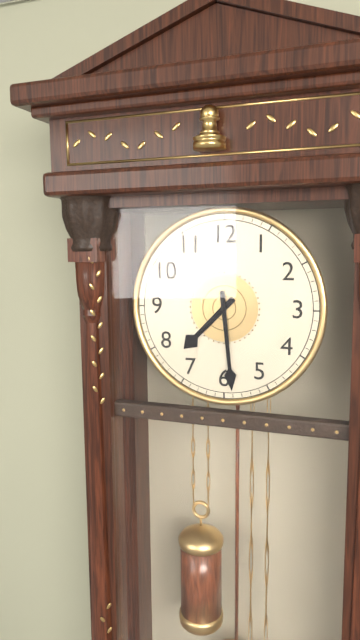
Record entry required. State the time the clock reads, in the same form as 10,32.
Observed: 7,29
